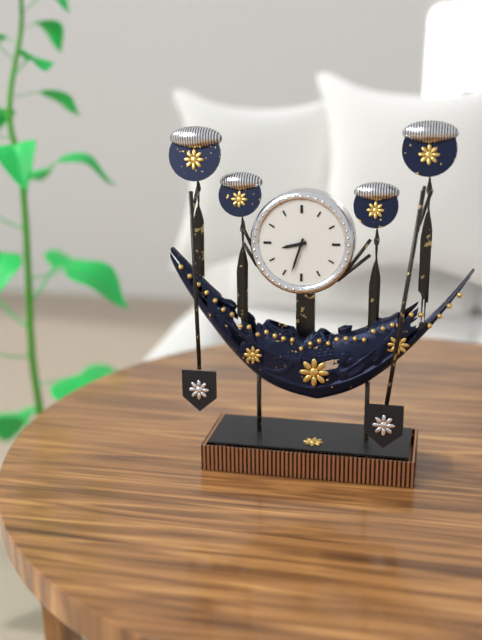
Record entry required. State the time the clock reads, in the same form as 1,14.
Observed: 8,33
